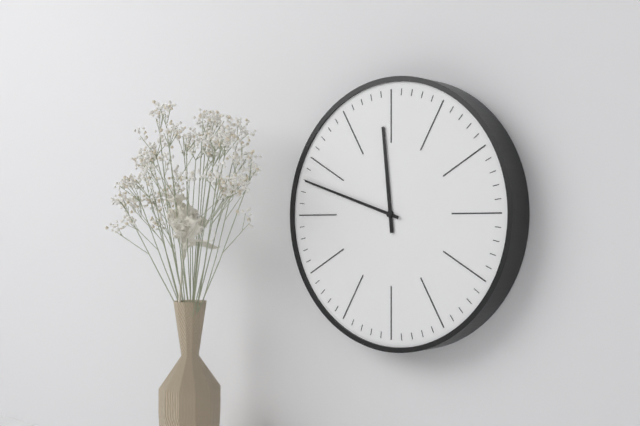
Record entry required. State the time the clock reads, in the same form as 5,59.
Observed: 11,48
